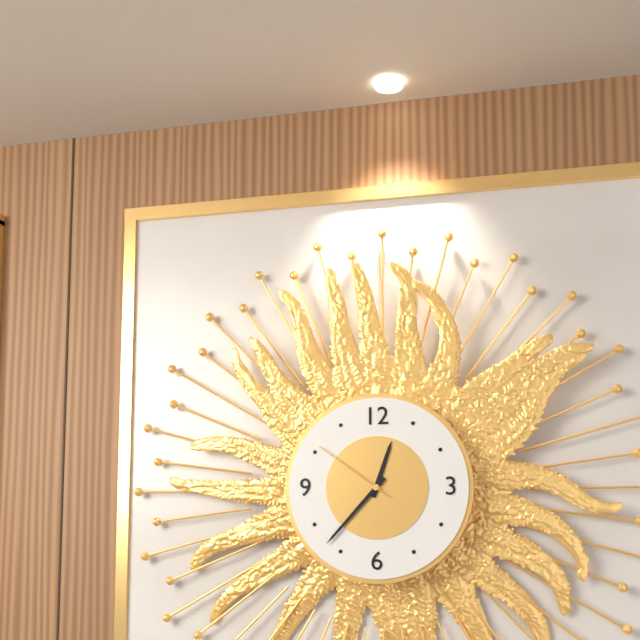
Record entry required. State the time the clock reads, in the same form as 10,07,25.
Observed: 12,37,51
